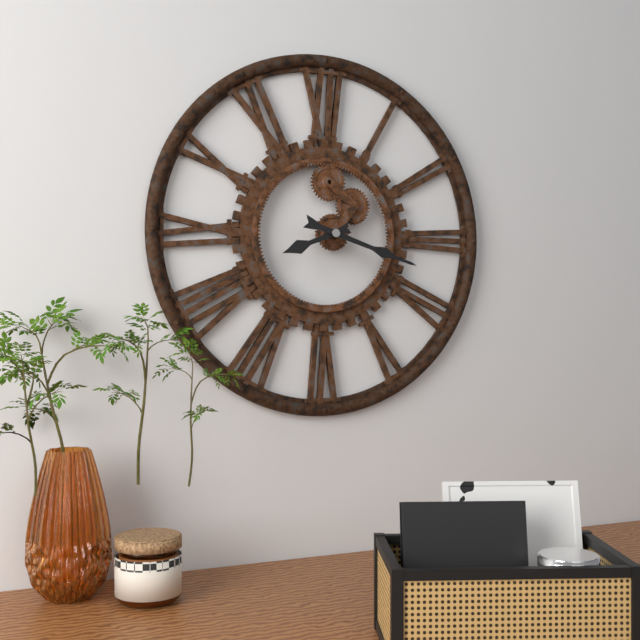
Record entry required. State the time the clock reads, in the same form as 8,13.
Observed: 8,18
